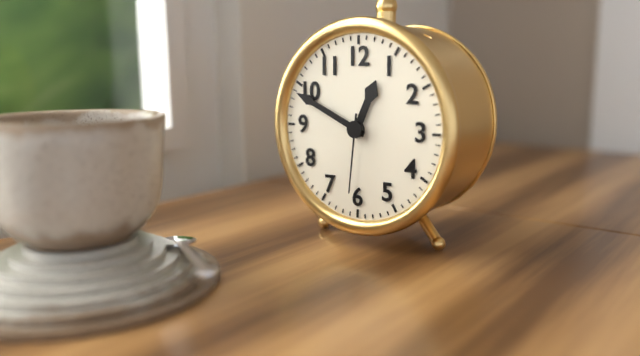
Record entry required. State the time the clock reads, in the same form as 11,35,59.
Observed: 12,49,31
